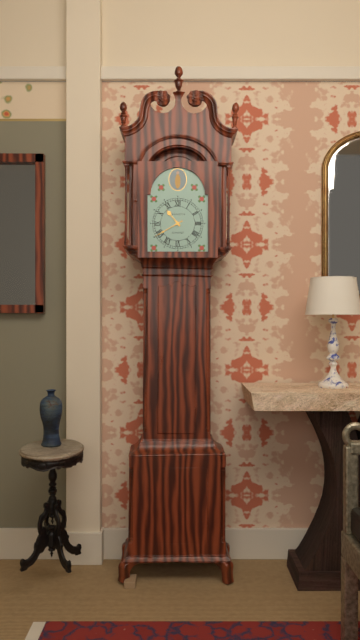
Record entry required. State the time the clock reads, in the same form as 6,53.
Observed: 10,40
